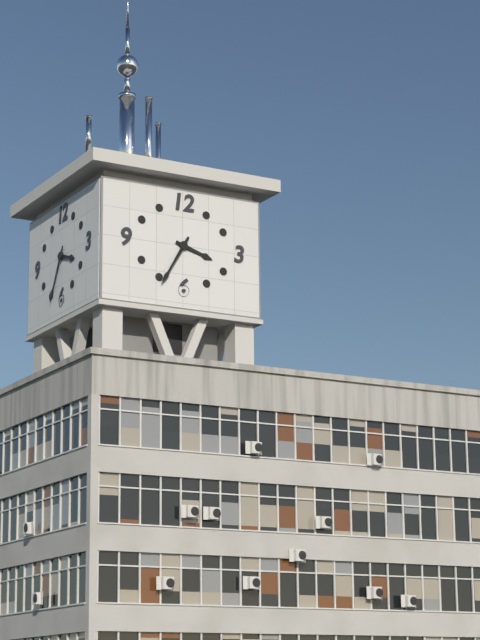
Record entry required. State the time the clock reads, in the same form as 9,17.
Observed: 3,35
